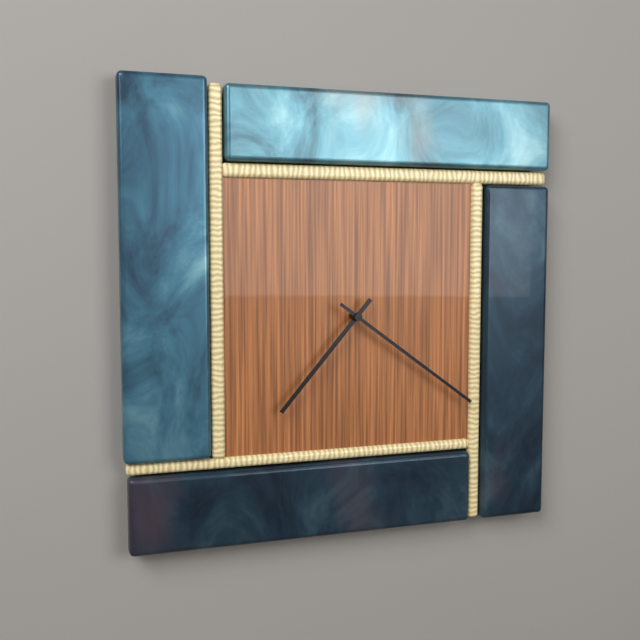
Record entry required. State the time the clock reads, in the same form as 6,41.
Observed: 7,21
